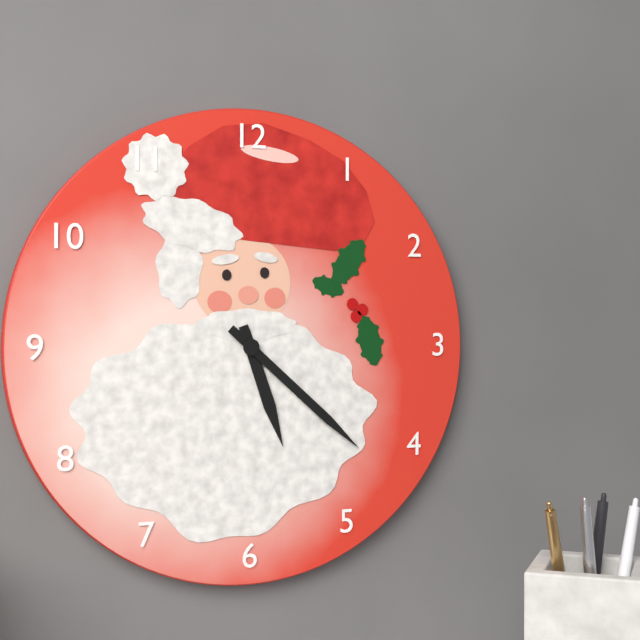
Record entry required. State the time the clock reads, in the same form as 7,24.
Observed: 5,22
